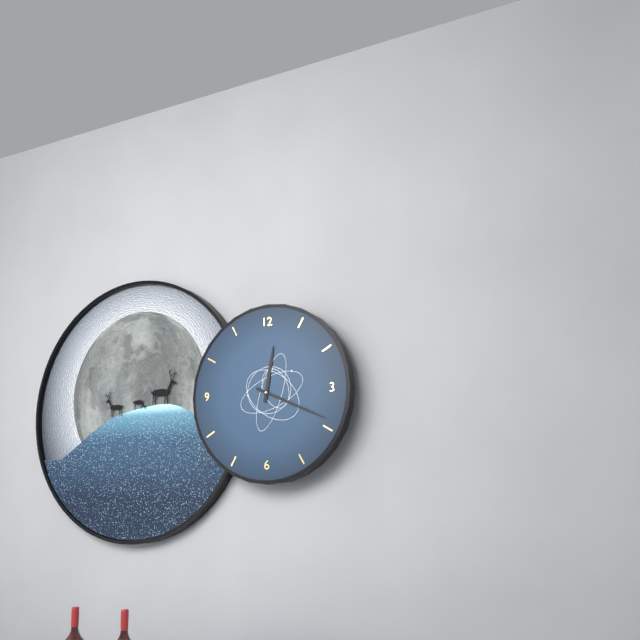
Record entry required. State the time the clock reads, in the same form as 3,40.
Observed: 12,19
